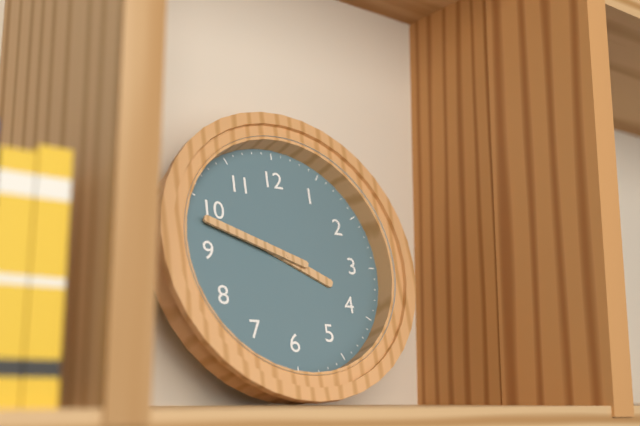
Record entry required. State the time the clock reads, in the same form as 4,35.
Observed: 3,48
